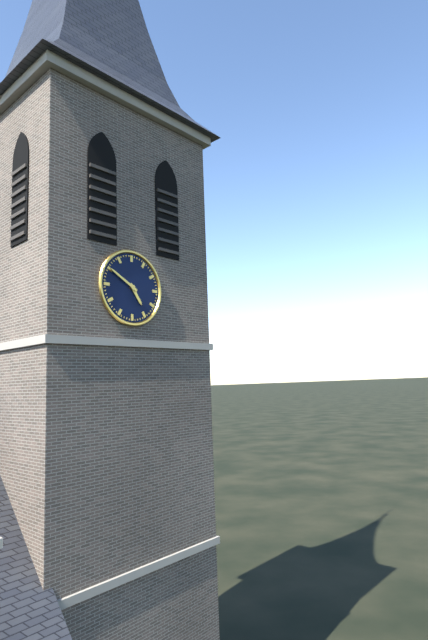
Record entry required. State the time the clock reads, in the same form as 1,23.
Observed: 4,50
